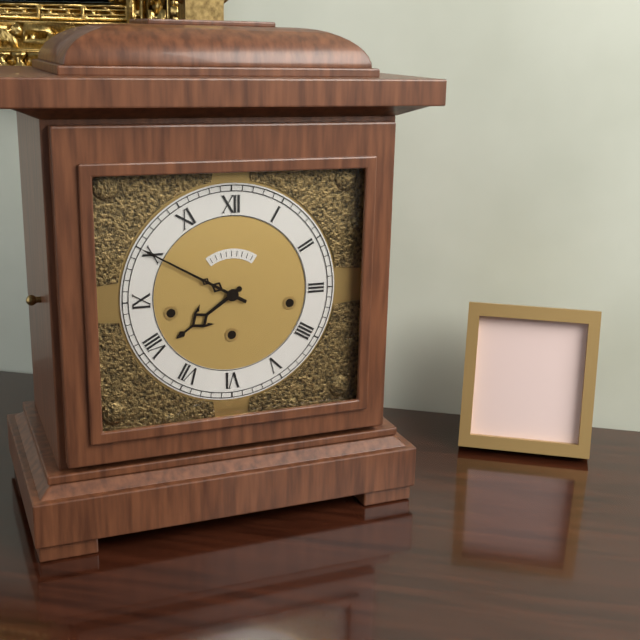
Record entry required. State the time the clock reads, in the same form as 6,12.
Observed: 7,50
